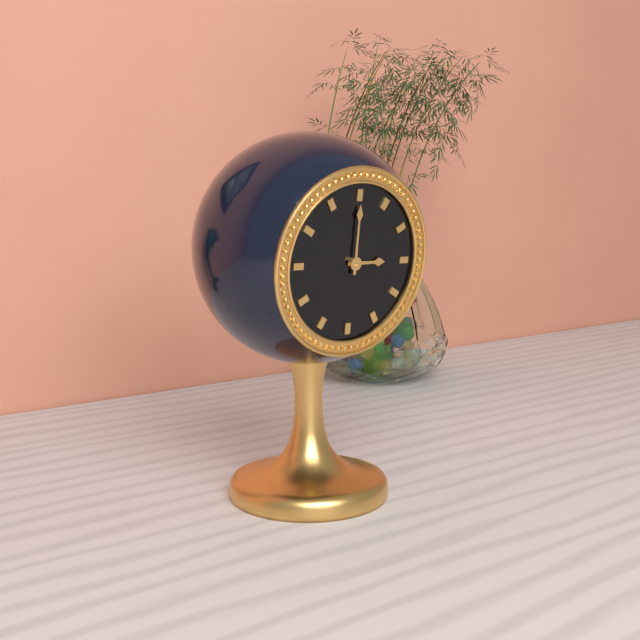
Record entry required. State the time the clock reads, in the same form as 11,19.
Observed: 3,00
